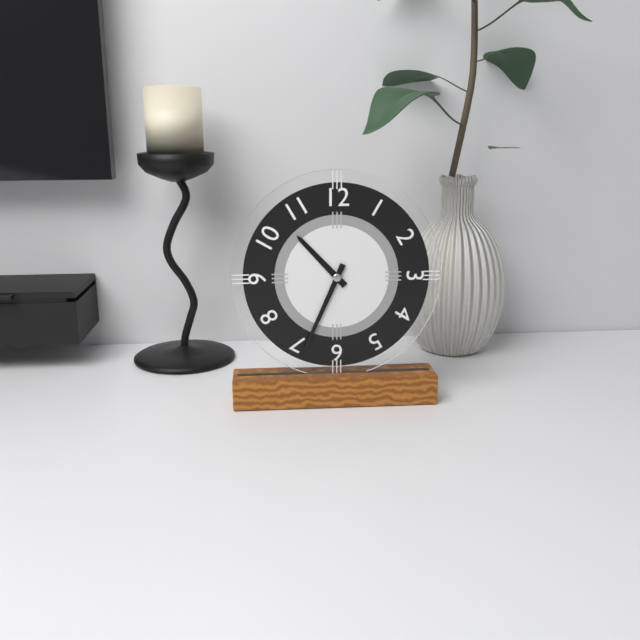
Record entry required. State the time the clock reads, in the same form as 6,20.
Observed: 10,34
